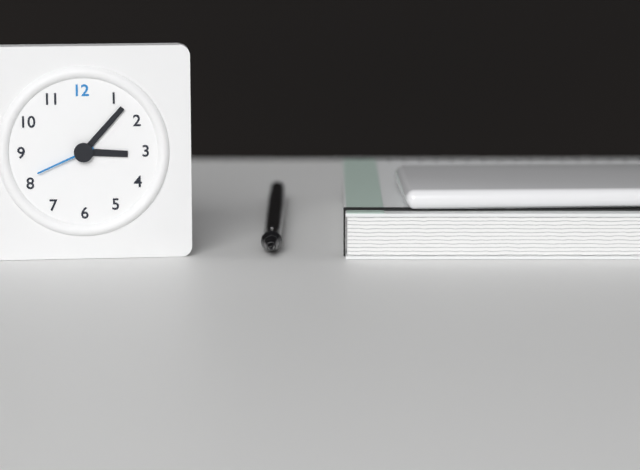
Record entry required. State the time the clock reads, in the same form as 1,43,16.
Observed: 3,07,41
